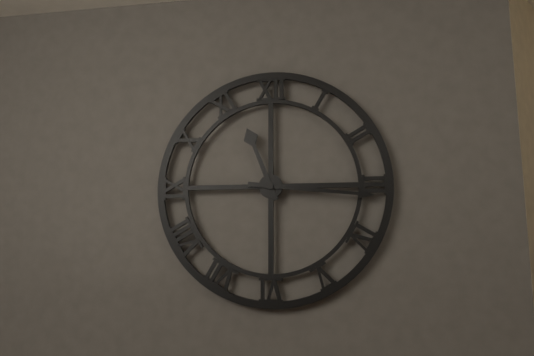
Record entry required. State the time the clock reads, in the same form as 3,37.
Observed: 11,16
